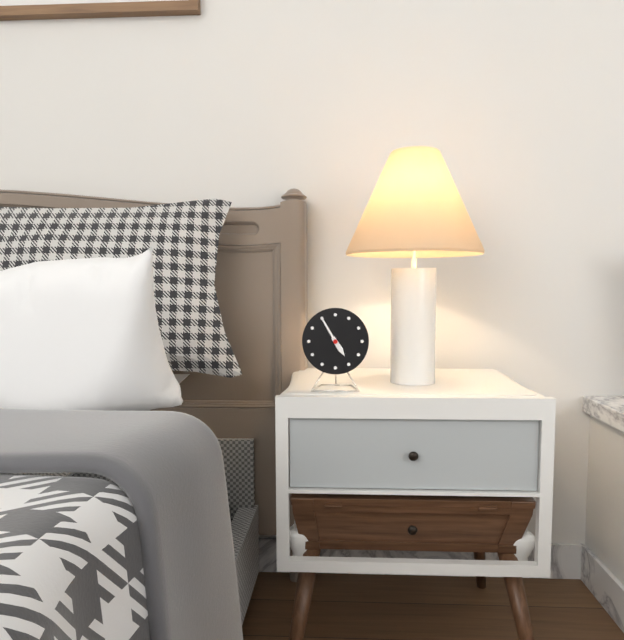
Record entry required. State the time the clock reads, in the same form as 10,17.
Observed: 4,55
